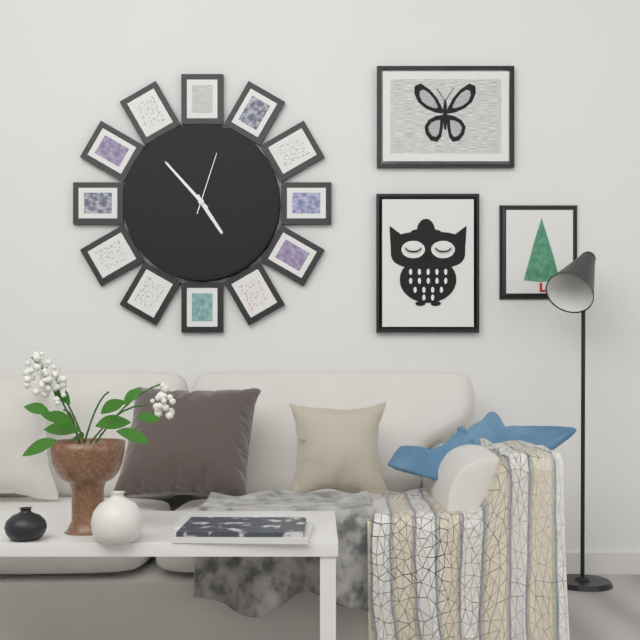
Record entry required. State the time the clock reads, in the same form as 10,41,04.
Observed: 4,53,03
